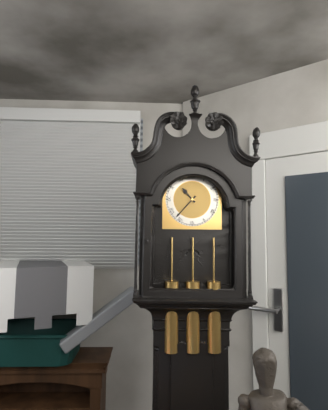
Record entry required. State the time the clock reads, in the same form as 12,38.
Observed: 10,37
